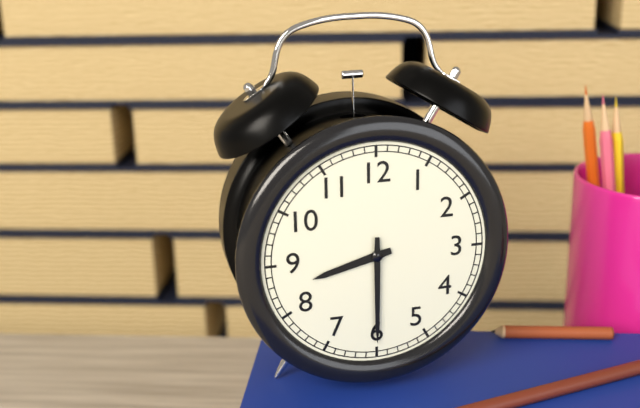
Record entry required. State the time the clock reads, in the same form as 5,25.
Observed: 8,30
